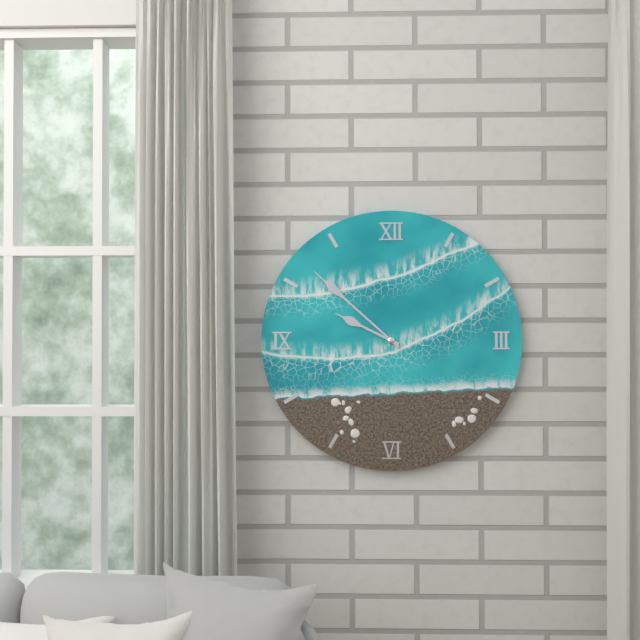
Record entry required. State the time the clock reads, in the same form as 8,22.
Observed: 9,52
